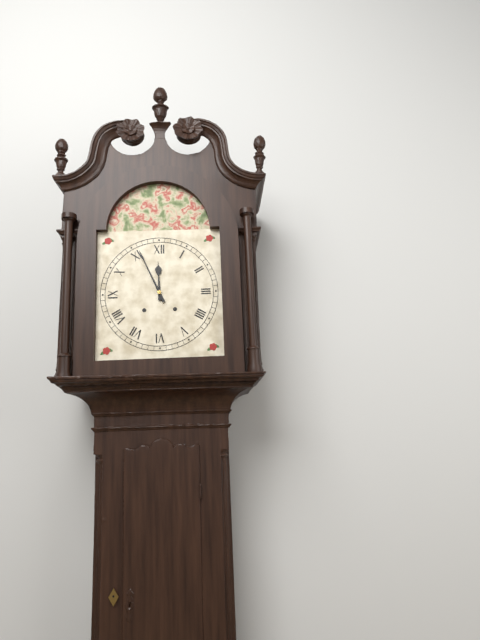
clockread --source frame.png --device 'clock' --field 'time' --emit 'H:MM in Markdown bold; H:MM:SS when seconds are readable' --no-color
**11:56**
